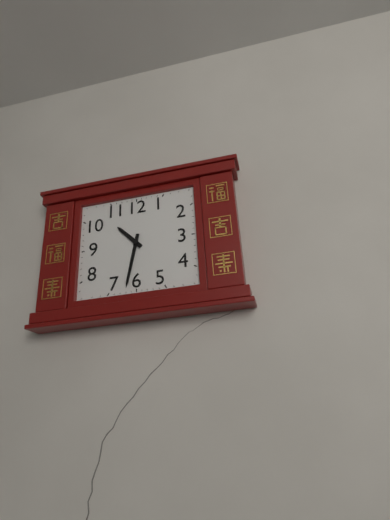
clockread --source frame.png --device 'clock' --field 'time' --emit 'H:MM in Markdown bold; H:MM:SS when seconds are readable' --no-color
**10:32**
